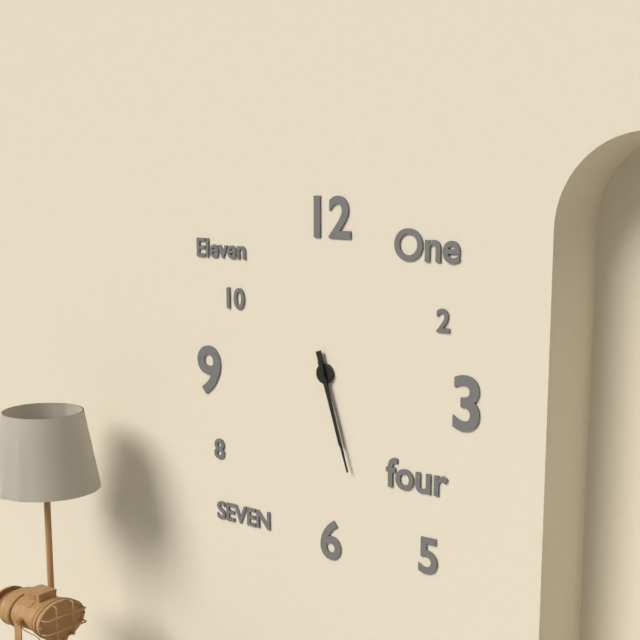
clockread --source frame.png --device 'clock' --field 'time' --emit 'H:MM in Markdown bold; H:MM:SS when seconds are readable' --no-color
**5:27**
